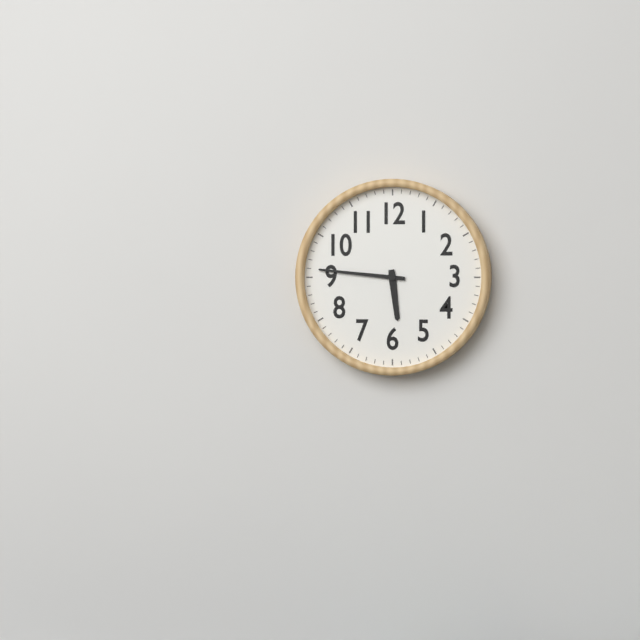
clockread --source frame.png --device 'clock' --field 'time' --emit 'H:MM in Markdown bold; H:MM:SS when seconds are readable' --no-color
**5:46**
